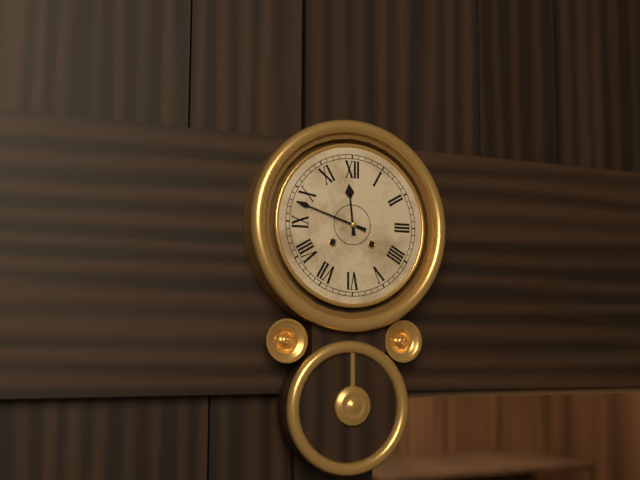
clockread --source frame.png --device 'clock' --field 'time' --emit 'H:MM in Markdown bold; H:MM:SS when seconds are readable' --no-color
**11:48**
